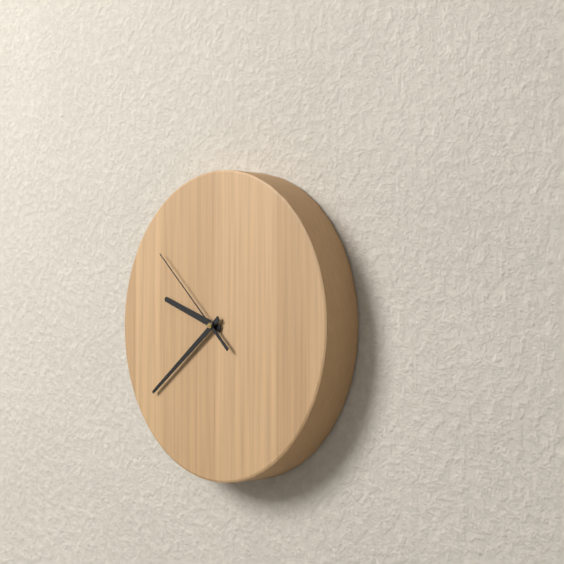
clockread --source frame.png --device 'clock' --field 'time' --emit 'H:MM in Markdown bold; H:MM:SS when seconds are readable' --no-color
**9:39:52**
